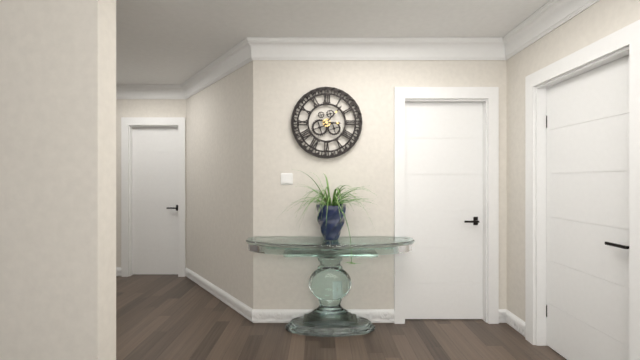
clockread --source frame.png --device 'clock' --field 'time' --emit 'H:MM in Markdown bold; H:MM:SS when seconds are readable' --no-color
**3:07**
